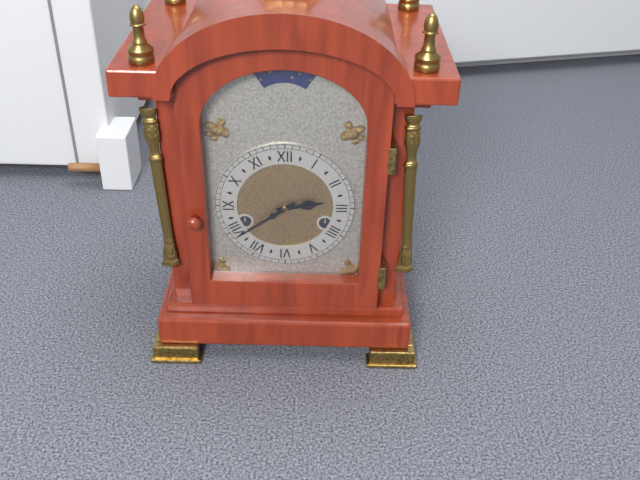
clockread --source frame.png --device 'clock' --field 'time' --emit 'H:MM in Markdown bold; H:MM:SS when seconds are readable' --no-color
**2:39**
